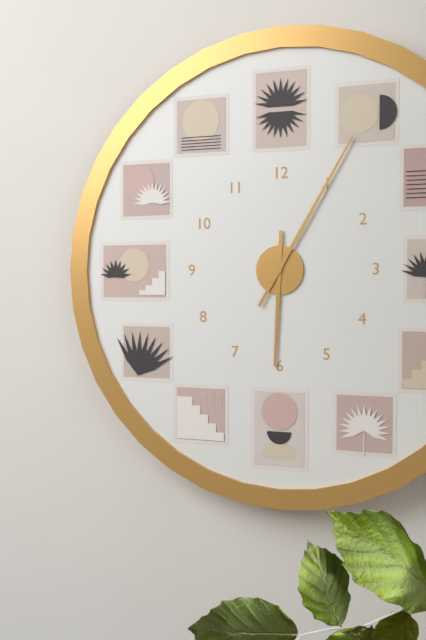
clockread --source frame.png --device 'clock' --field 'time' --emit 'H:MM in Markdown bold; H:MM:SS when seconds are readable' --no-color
**6:05**
